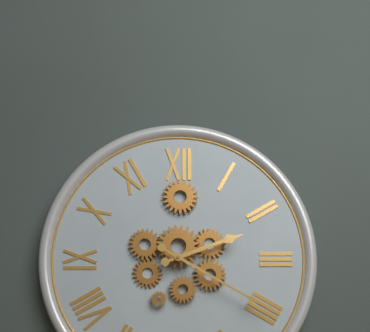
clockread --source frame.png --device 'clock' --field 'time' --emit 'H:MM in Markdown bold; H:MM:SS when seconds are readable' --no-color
**2:20**
